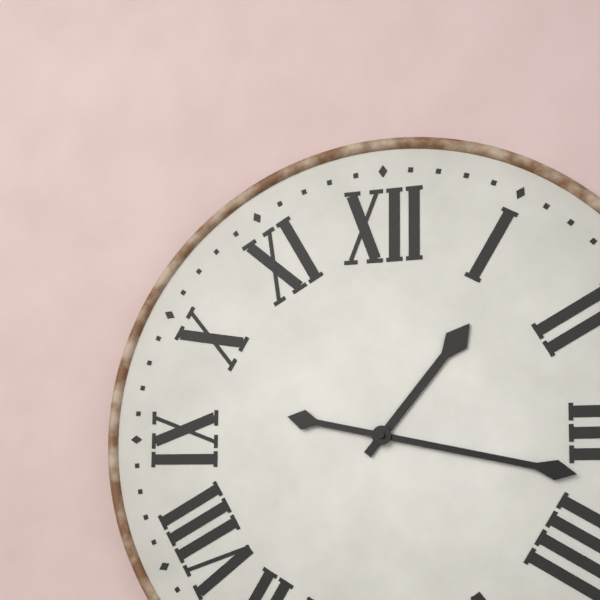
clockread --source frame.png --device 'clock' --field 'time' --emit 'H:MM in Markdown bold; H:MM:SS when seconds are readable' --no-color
**1:17**
